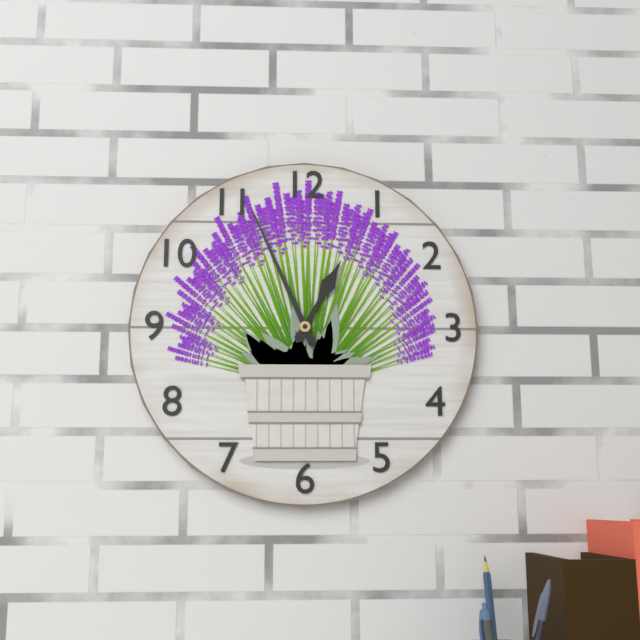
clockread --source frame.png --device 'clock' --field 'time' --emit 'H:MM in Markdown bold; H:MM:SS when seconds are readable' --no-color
**12:56**
